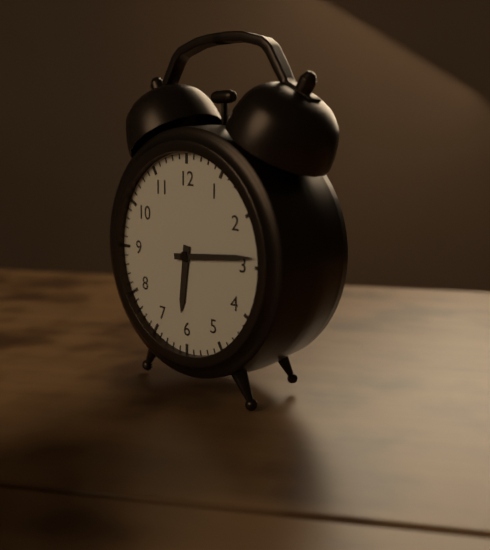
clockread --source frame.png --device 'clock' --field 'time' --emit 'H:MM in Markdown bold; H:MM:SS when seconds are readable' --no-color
**6:14**
